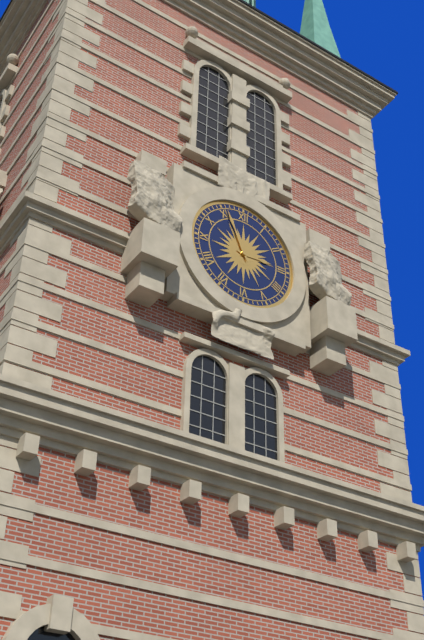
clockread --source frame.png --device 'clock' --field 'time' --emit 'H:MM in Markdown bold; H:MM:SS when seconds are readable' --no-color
**2:56**
